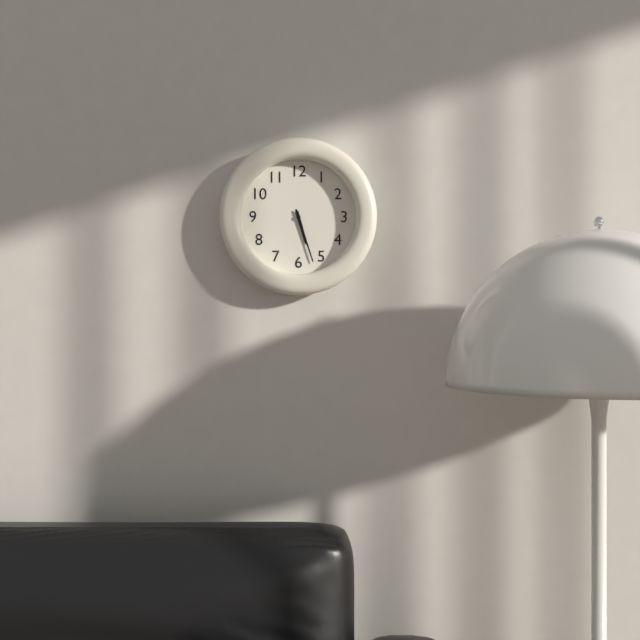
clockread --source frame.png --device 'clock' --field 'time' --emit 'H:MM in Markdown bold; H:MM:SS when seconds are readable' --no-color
**5:27**
